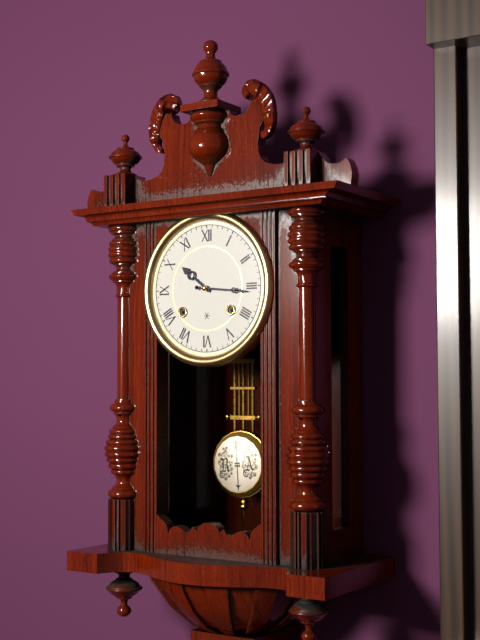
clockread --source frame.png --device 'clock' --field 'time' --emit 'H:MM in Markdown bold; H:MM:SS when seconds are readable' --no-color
**10:16**
